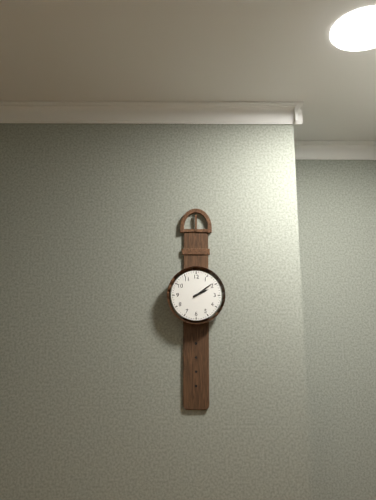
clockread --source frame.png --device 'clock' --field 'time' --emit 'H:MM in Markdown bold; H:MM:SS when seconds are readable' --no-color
**2:09**
